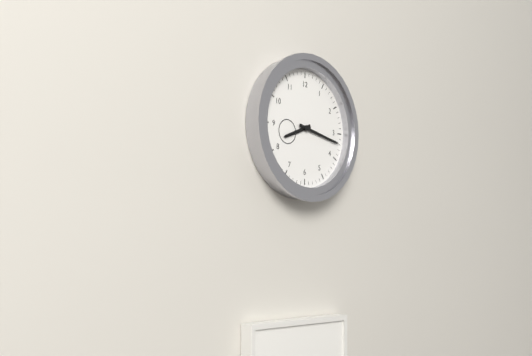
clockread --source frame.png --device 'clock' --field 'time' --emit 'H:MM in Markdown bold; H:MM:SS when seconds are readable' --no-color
**8:17**
